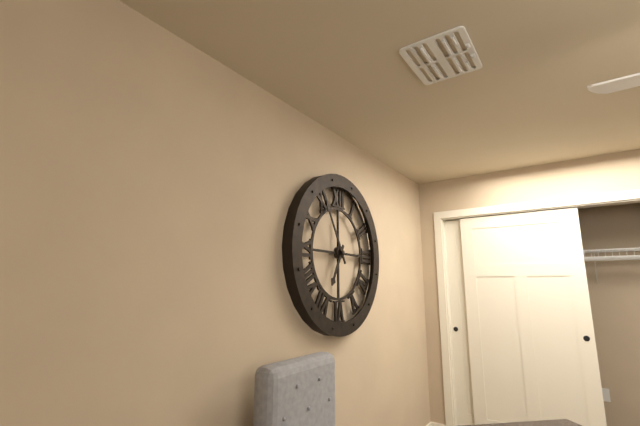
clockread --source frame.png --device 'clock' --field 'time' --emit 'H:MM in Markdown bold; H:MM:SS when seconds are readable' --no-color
**6:55**
